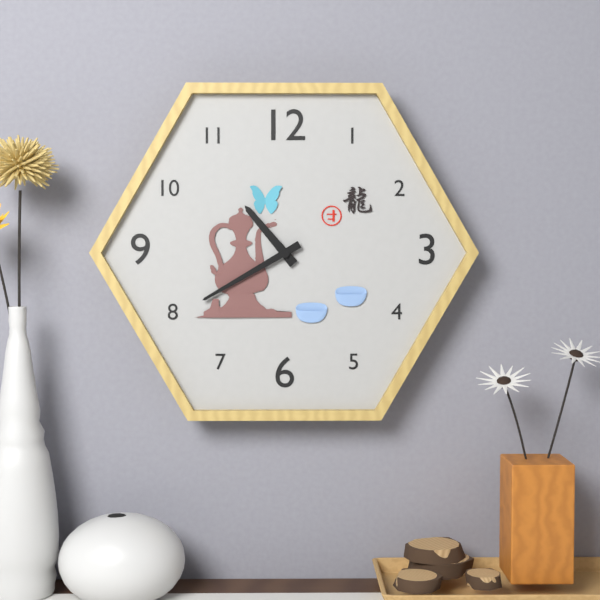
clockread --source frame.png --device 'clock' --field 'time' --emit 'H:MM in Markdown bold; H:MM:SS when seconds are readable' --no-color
**10:40**
